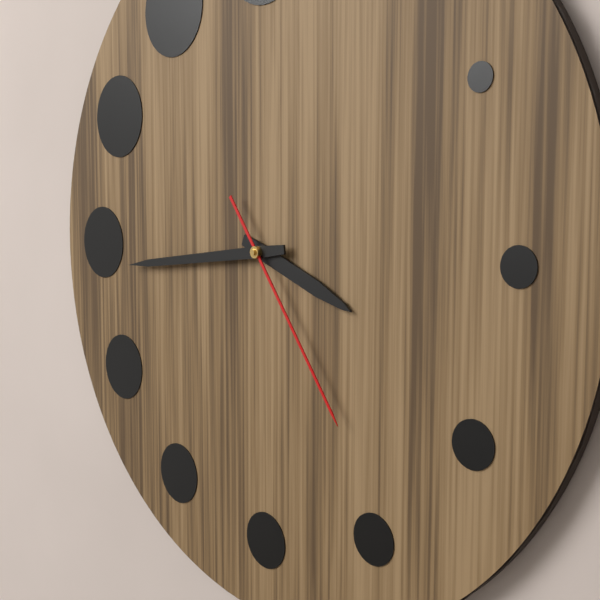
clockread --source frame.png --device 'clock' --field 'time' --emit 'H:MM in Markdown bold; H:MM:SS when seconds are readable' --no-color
**3:44:24**
